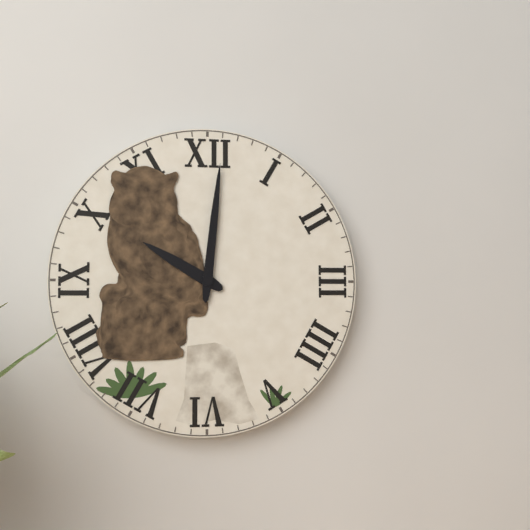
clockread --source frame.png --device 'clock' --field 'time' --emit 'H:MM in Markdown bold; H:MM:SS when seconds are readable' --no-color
**10:01**
